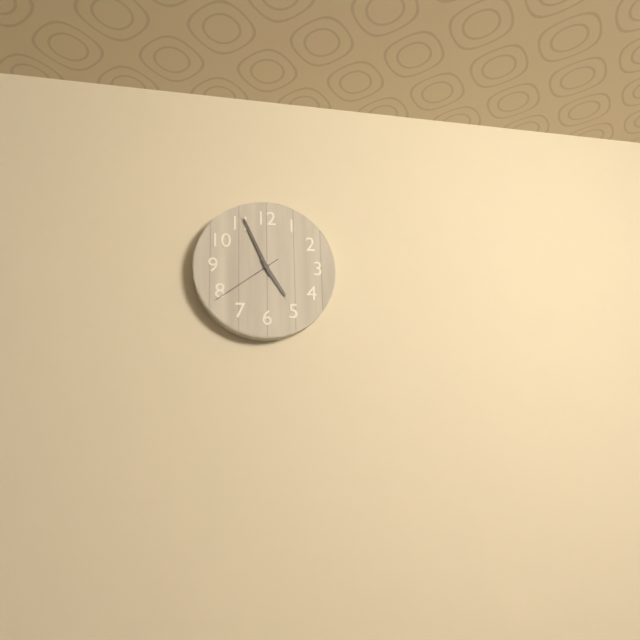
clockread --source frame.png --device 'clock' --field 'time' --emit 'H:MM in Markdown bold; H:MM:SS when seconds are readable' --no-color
**4:56:39**
